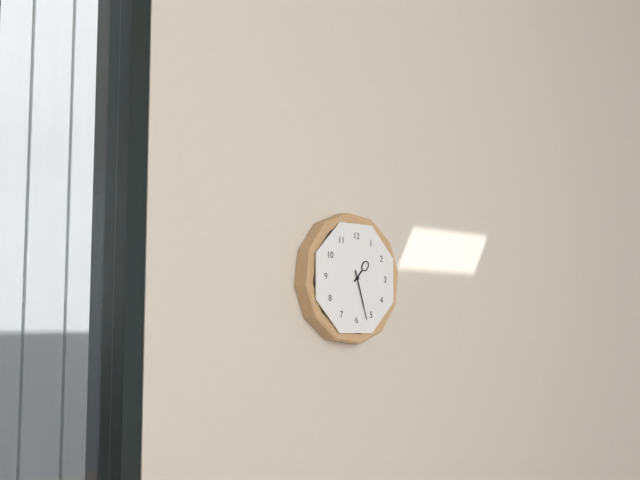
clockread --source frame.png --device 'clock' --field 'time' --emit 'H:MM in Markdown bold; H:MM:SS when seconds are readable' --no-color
**1:27**
